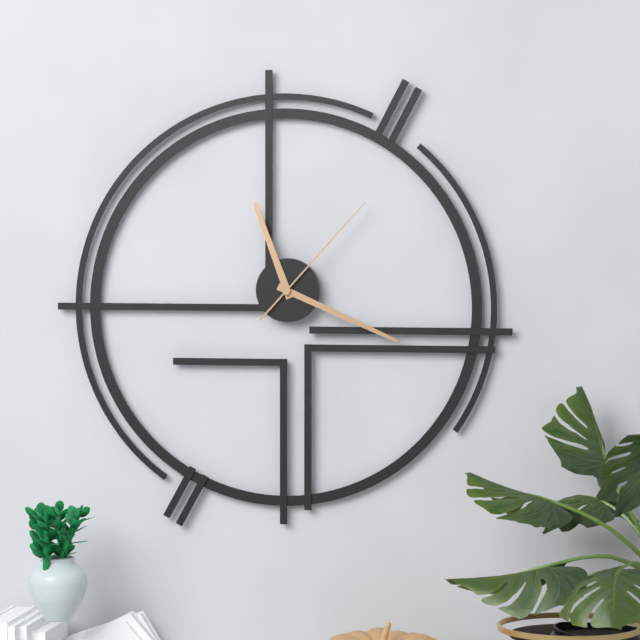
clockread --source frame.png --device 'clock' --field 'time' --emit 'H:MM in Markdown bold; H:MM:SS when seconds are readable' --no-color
**11:19:07**
